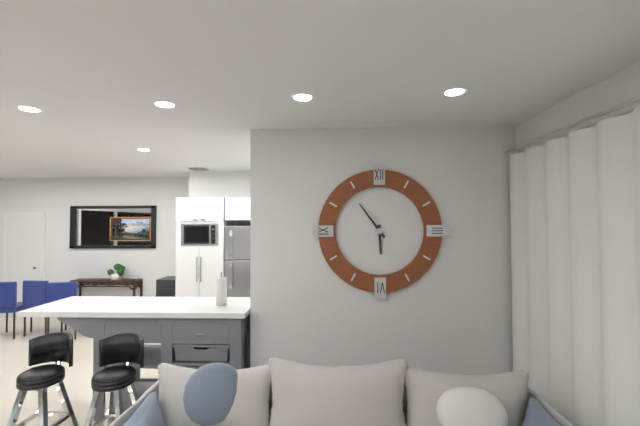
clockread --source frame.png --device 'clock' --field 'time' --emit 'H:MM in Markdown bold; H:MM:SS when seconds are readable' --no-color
**5:54**
